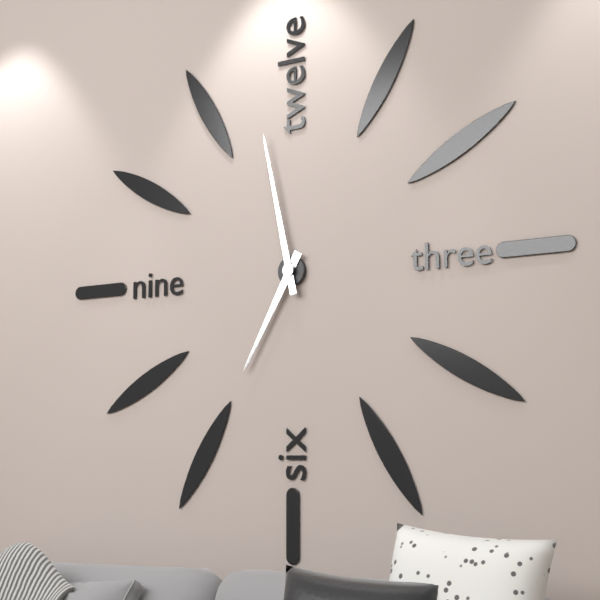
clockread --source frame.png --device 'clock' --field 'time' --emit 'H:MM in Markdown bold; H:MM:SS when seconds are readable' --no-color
**6:58**
